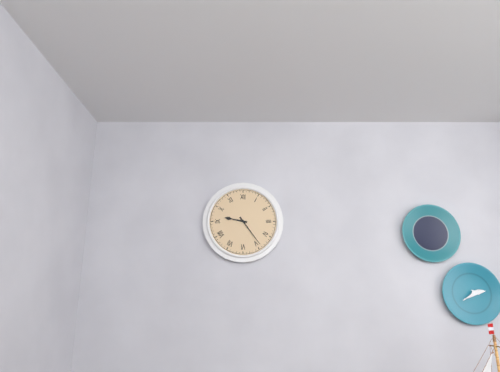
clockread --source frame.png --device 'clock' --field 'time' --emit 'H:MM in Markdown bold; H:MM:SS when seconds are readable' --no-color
**9:24**
